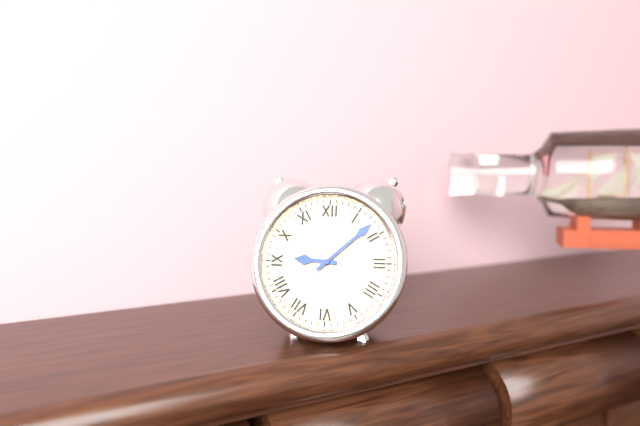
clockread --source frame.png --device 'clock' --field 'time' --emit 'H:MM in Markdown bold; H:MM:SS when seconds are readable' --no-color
**9:08**
